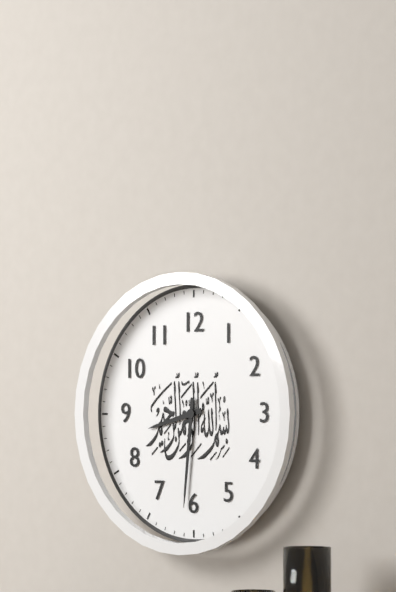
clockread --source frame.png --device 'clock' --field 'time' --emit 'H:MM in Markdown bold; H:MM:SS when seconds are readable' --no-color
**8:31**
